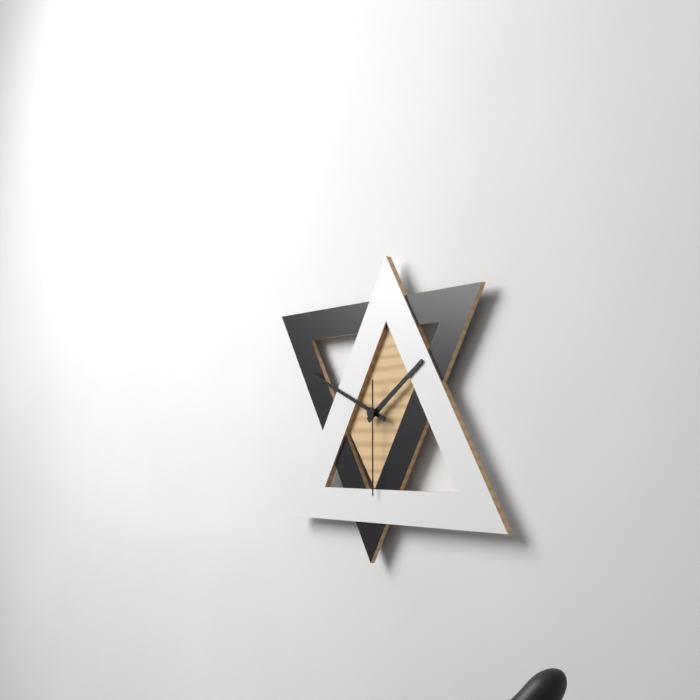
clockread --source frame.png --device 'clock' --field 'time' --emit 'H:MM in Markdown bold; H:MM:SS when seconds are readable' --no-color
**1:49:30**
